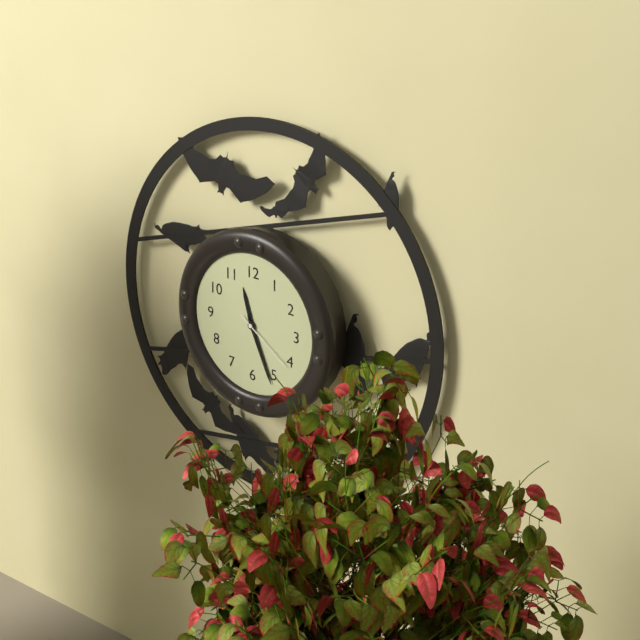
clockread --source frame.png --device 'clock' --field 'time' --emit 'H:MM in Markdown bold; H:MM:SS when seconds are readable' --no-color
**11:26:21**
